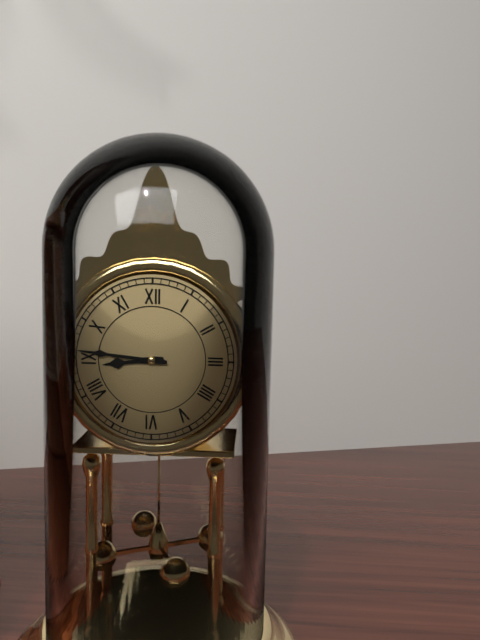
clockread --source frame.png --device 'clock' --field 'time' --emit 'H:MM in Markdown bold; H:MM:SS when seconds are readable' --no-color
**8:46**
